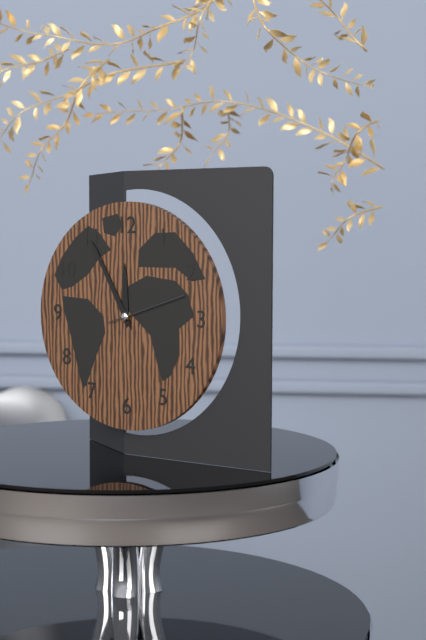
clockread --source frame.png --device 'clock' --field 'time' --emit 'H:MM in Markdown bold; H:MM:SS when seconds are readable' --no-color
**11:55:12**
